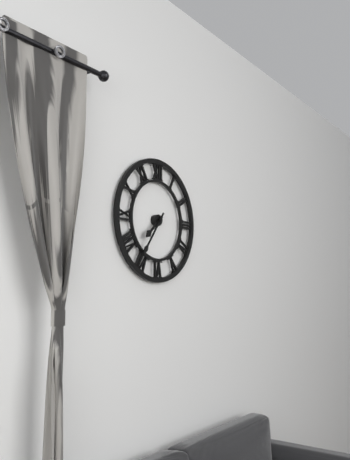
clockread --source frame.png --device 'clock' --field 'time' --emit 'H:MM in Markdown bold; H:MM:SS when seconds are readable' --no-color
**7:36**
